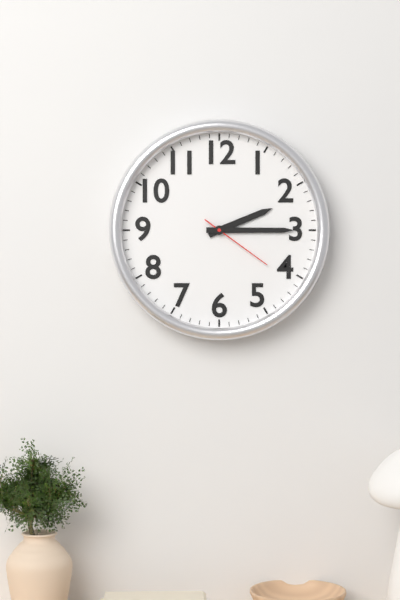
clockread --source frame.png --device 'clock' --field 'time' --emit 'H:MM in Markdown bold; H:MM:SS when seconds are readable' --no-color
**2:15:21**
